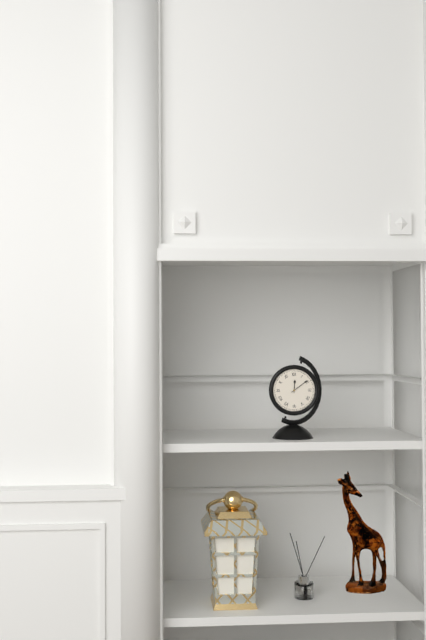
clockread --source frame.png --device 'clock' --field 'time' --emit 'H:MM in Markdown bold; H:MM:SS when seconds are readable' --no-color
**12:09**
